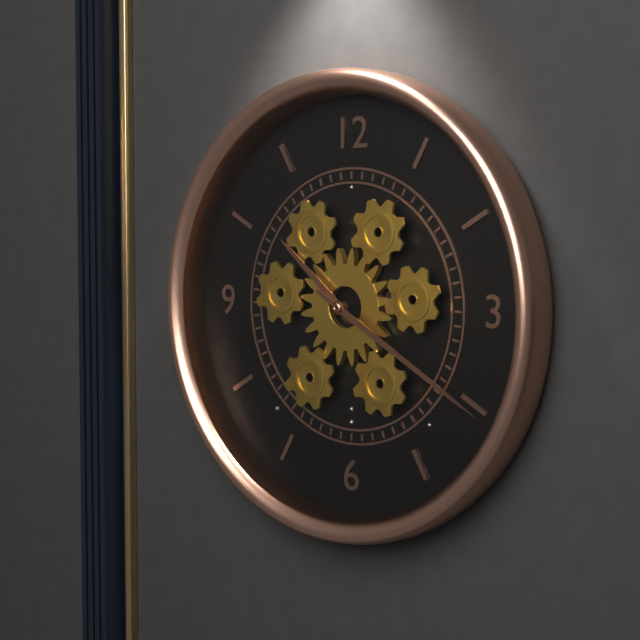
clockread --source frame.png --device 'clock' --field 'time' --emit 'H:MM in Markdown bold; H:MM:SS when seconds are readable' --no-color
**10:20**
